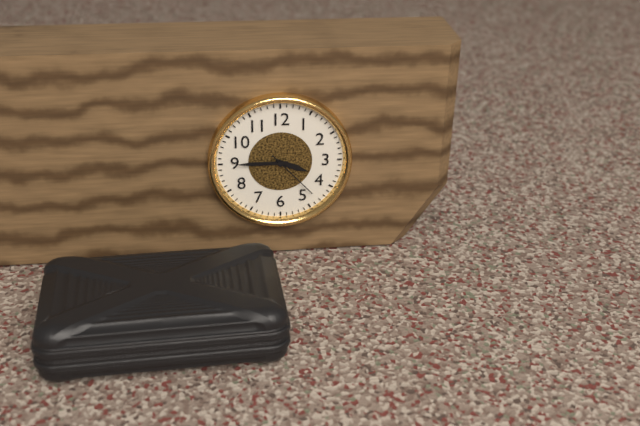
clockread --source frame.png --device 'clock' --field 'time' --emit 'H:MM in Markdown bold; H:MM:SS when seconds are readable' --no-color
**3:45:23**
